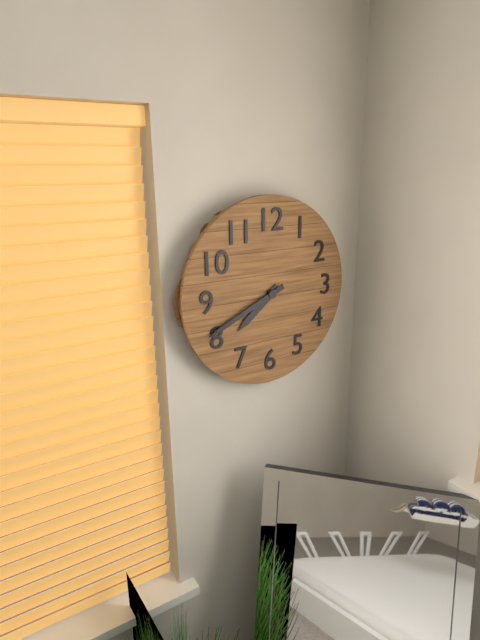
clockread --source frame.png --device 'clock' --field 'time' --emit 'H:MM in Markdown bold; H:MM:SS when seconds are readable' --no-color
**7:41**
